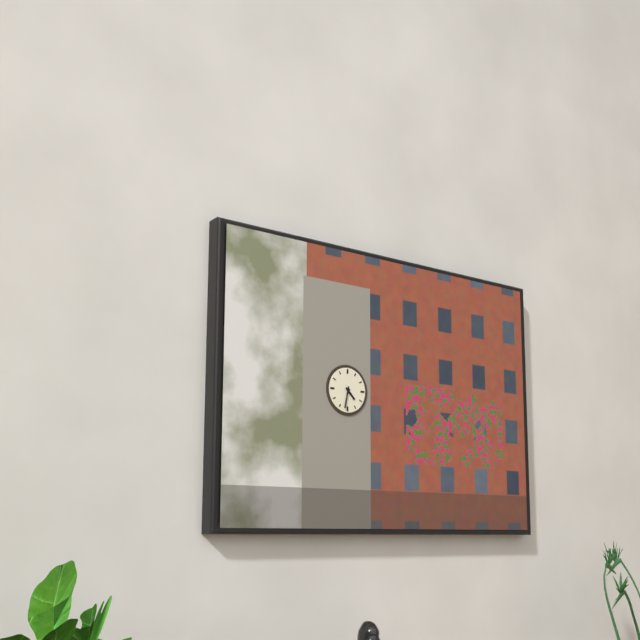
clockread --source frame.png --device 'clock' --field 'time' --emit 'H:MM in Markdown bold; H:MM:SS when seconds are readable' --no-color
**4:32**
